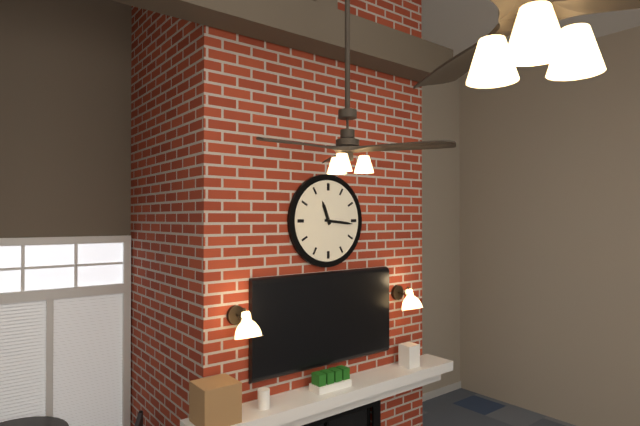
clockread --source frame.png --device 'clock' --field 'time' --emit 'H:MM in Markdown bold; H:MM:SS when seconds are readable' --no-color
**11:16**
